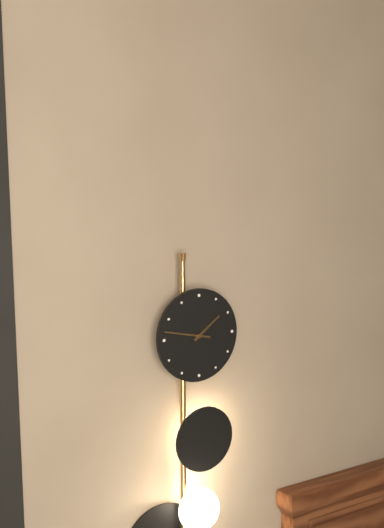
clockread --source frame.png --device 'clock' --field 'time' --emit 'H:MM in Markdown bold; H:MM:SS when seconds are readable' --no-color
**1:47**
